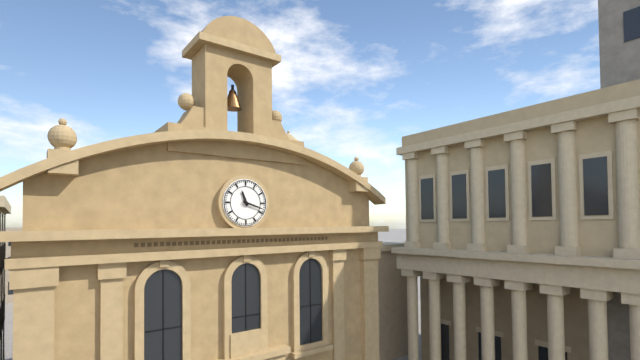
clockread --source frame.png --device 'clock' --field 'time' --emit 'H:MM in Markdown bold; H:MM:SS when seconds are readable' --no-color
**11:18**
